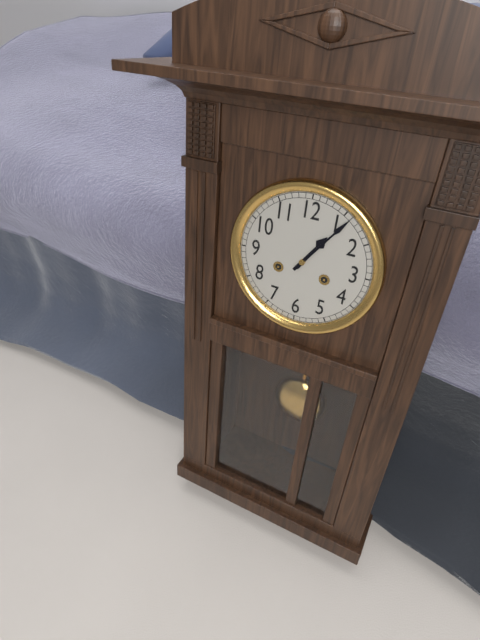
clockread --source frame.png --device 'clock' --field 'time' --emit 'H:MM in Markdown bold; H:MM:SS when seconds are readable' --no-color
**1:06**
